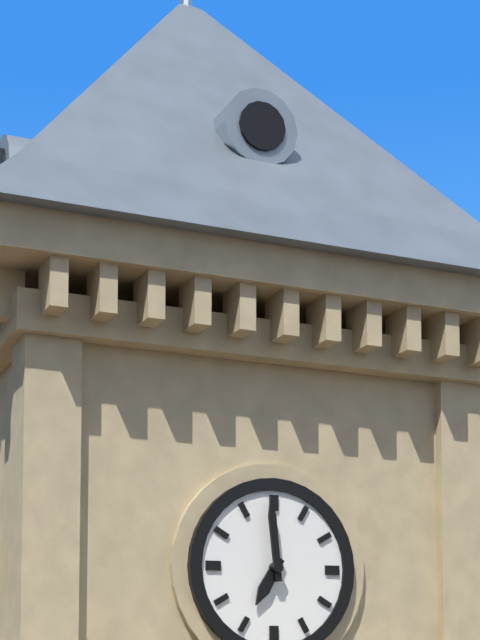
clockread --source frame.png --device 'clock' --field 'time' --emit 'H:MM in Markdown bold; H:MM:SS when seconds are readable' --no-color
**6:59**
